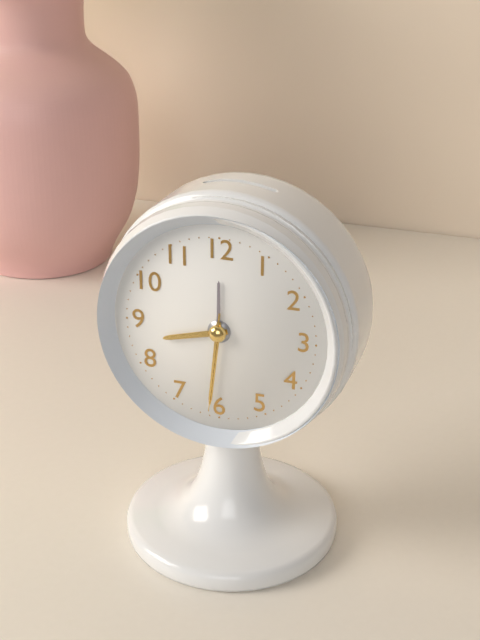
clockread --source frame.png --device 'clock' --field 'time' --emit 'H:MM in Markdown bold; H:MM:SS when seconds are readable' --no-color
**8:31:31**
